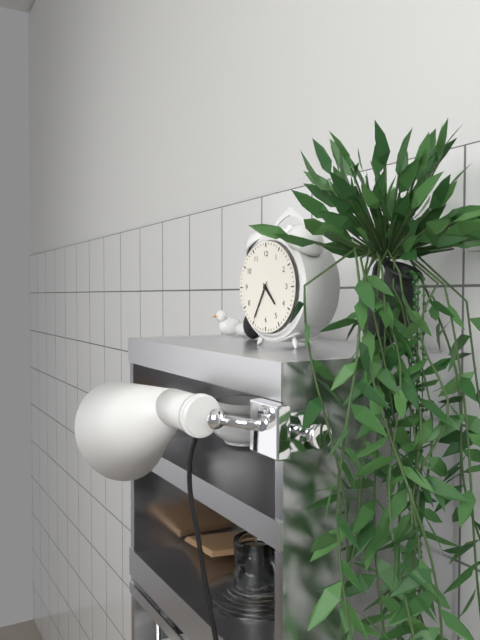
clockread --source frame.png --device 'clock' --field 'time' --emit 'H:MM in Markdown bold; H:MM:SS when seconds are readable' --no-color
**4:35**
